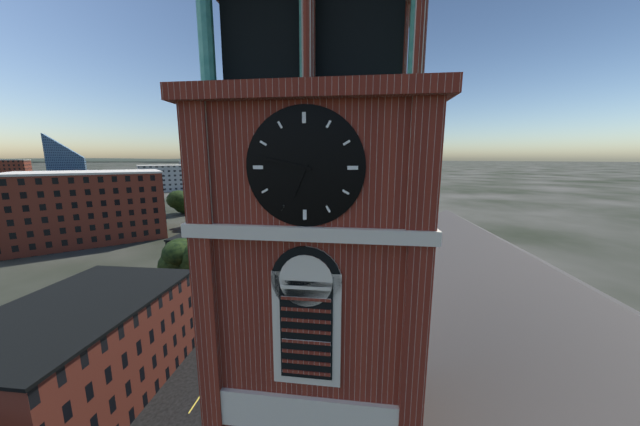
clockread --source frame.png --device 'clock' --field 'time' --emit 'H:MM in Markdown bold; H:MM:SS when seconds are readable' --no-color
**6:47**
